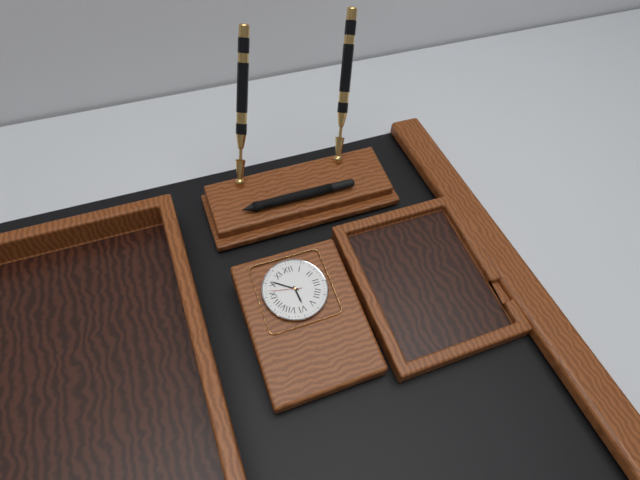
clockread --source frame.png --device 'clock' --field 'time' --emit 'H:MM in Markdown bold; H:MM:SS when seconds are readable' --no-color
**5:51**
